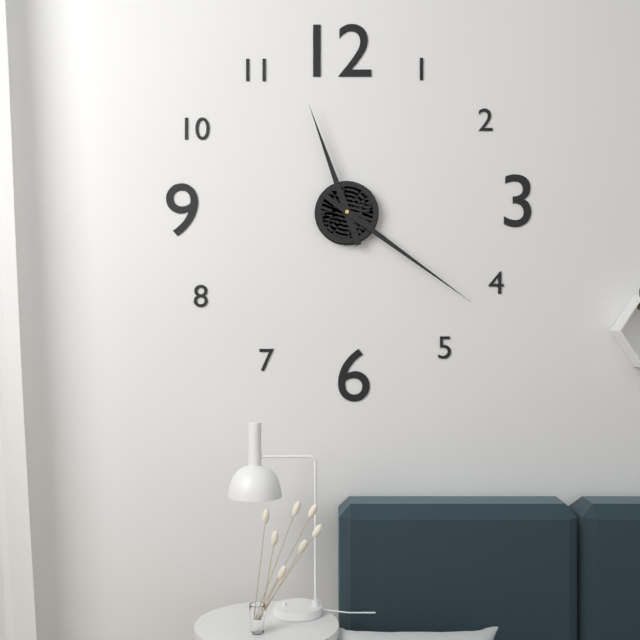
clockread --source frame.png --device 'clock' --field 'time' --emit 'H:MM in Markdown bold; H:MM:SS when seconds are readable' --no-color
**11:21**
